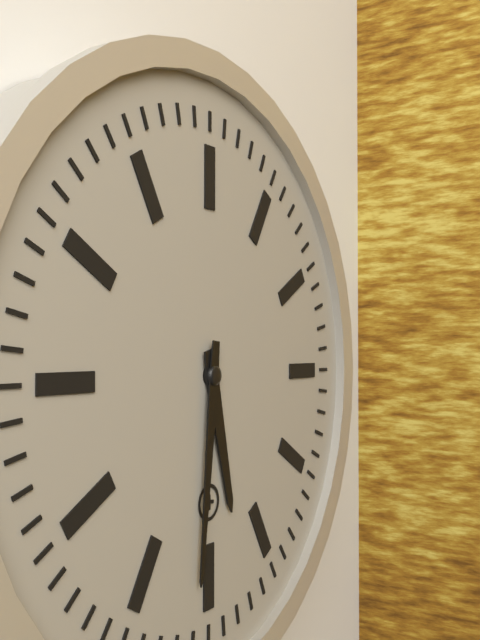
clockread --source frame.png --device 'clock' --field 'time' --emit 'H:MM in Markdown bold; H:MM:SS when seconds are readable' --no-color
**5:31**
